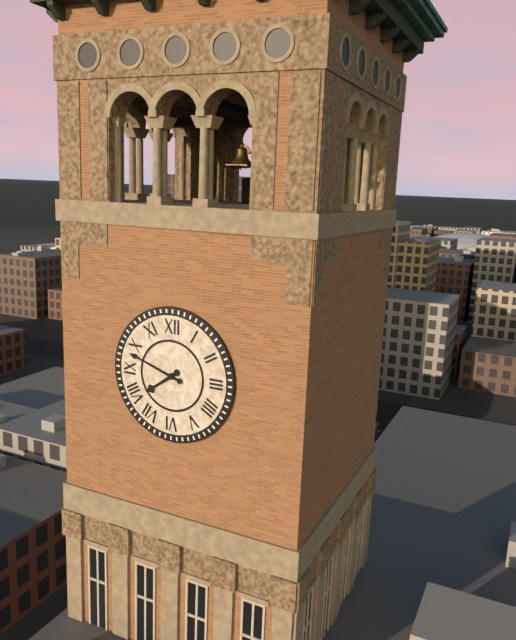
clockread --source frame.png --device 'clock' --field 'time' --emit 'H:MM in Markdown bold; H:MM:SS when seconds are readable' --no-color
**7:48**
